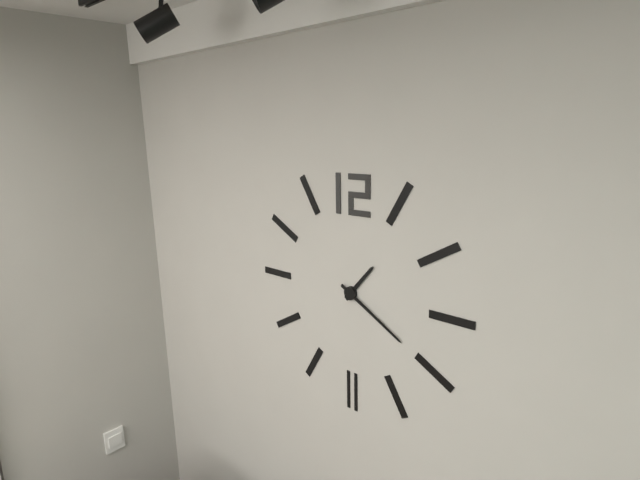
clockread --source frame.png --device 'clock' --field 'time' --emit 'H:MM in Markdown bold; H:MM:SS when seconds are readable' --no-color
**1:20**
